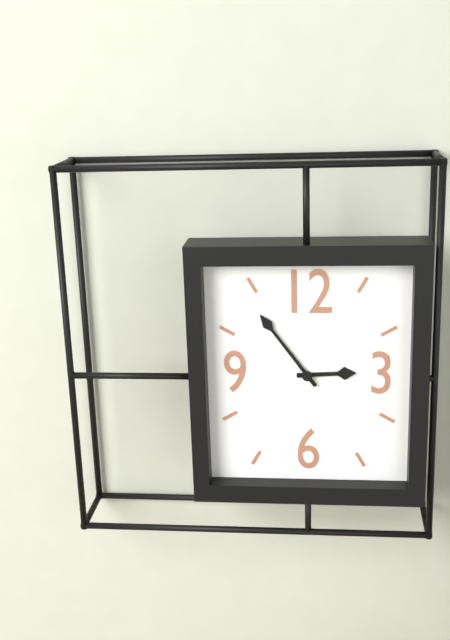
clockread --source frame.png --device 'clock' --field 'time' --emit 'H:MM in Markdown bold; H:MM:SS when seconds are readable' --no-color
**2:54**
